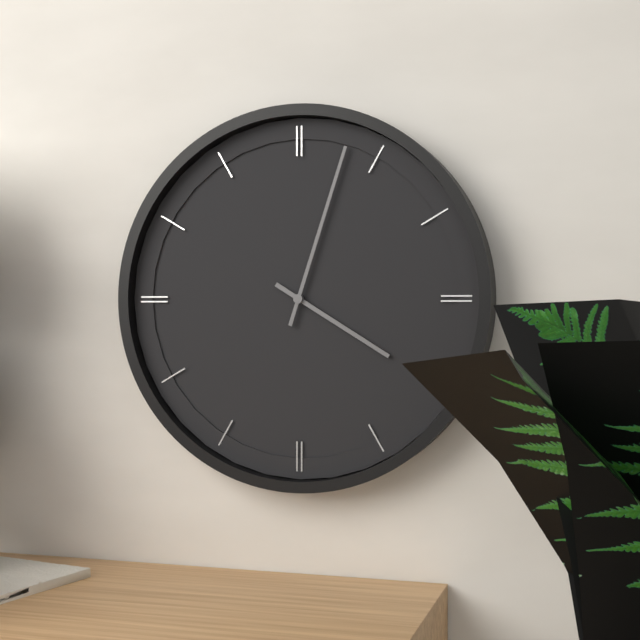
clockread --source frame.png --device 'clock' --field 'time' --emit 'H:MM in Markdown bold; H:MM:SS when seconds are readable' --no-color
**4:03**
